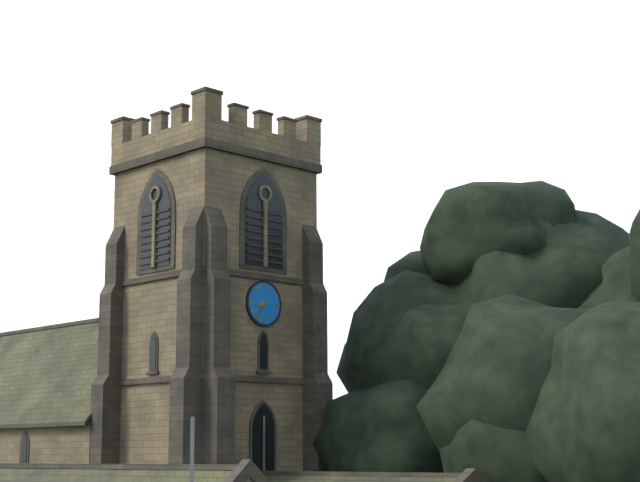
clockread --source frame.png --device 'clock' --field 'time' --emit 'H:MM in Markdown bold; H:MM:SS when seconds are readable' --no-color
**8:36**
